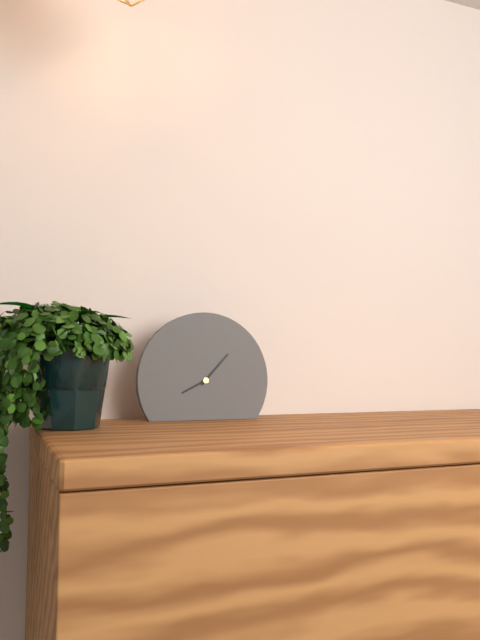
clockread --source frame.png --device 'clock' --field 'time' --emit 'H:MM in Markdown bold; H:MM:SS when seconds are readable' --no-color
**8:07**
